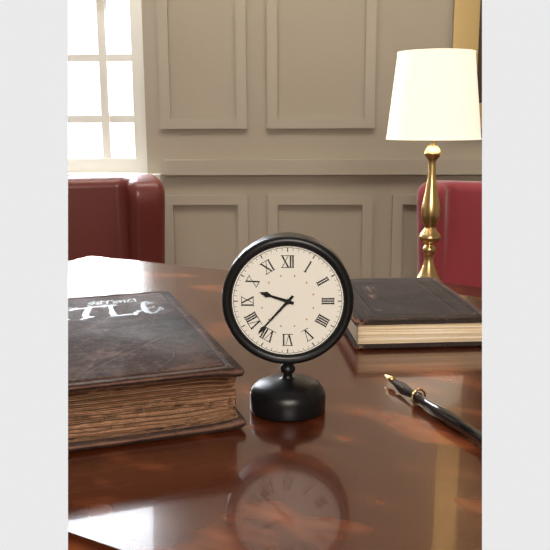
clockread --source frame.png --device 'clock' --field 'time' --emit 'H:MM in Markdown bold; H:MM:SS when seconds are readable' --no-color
**9:37**
